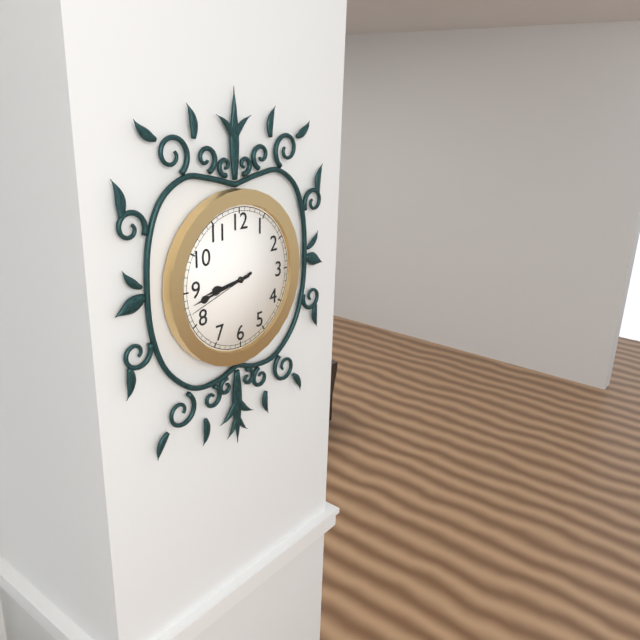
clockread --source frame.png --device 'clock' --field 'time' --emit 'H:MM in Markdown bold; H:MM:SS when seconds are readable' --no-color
**8:43:42**
